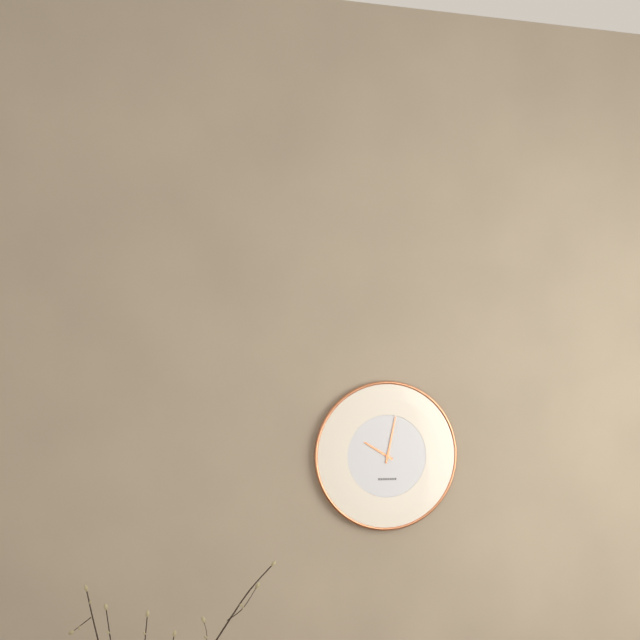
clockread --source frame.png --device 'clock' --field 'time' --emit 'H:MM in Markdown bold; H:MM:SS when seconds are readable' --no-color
**10:02**
